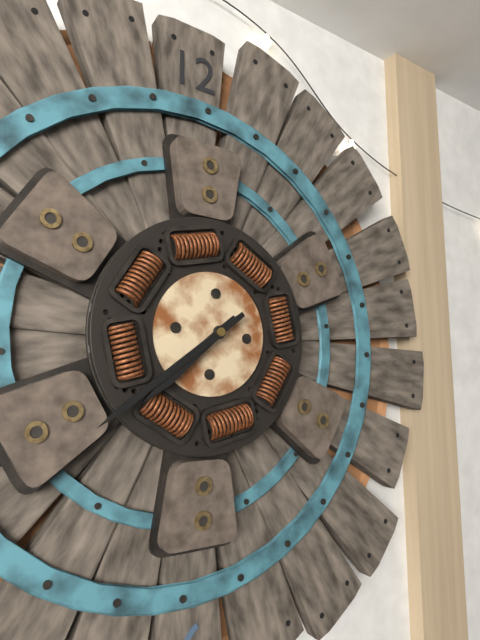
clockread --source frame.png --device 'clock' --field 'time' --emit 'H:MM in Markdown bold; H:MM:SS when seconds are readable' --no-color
**7:39**
